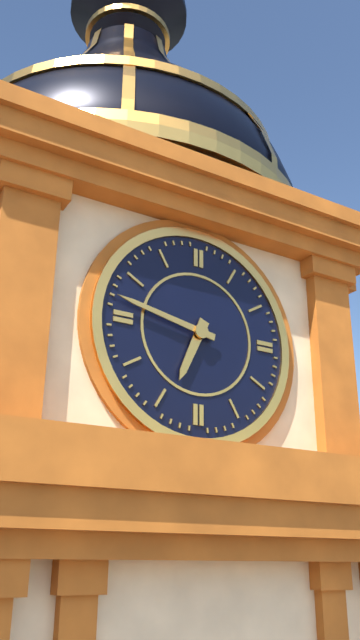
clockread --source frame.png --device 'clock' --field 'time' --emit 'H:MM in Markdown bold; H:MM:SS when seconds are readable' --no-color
**6:47**
